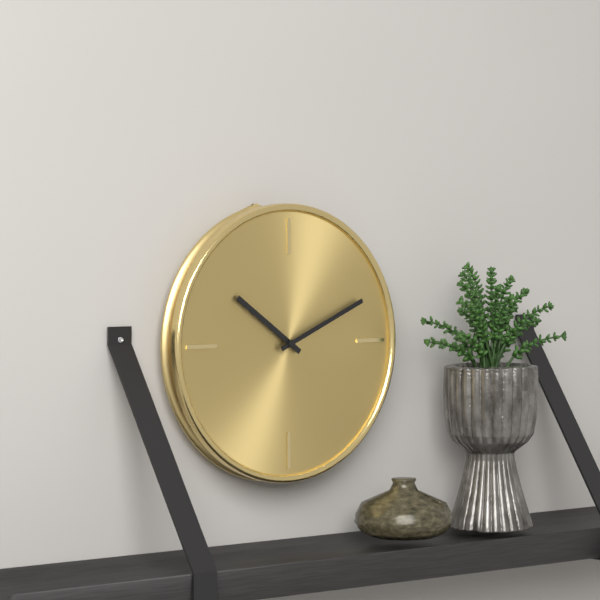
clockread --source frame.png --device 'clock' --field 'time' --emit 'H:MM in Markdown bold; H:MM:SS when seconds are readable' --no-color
**10:11**
